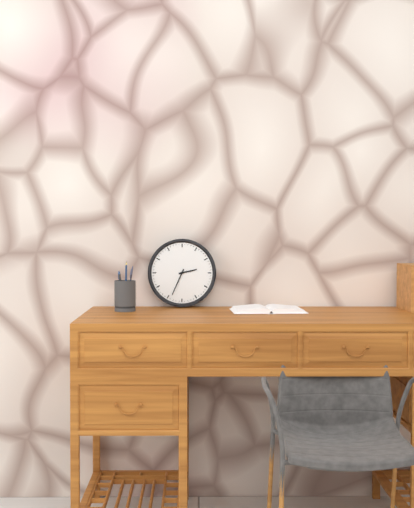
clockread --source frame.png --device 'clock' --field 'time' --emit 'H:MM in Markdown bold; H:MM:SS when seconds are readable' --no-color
**2:34**
